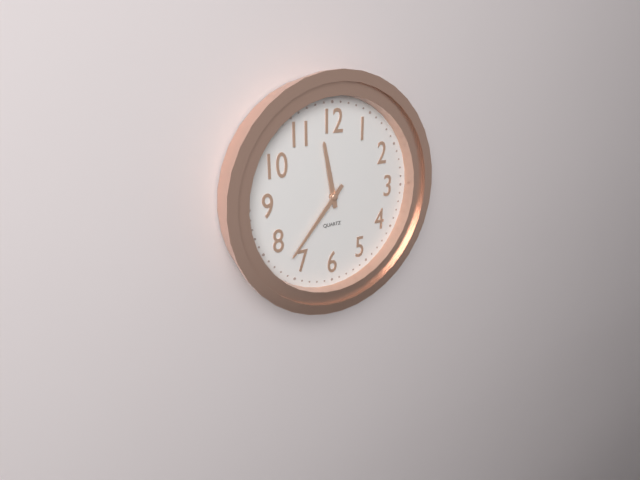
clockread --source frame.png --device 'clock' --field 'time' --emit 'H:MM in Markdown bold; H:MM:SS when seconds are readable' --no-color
**11:37**
